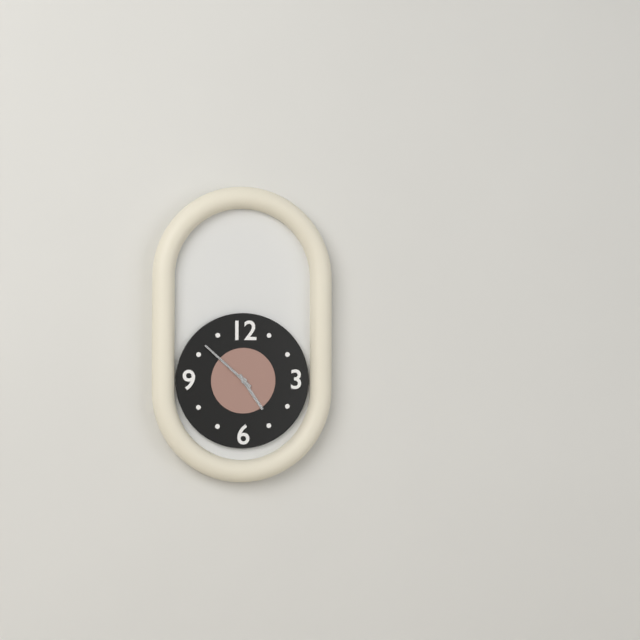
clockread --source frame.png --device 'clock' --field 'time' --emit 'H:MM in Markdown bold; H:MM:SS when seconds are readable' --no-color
**4:52**
